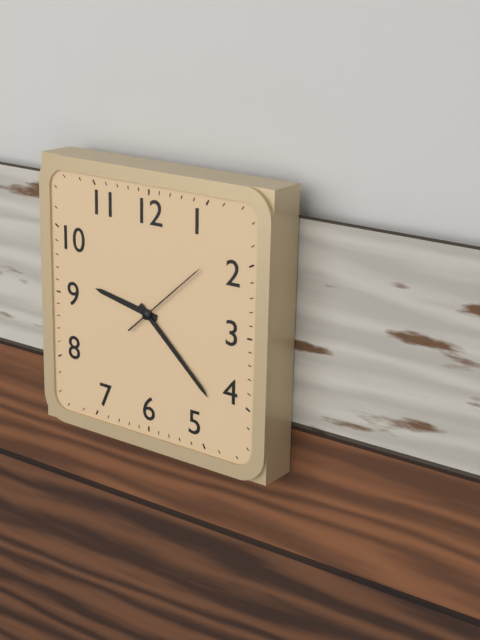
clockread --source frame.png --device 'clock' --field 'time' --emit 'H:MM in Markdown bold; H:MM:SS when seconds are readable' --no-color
**9:22:08**
